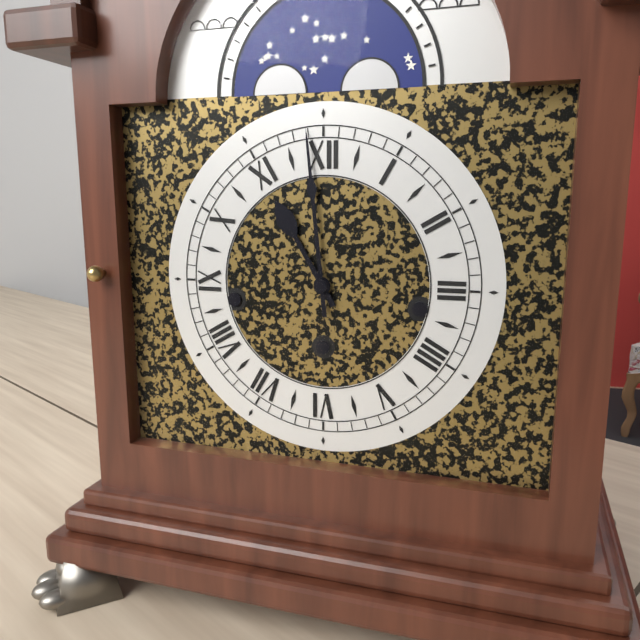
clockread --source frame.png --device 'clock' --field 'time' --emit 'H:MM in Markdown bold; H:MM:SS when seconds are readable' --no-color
**10:59**
